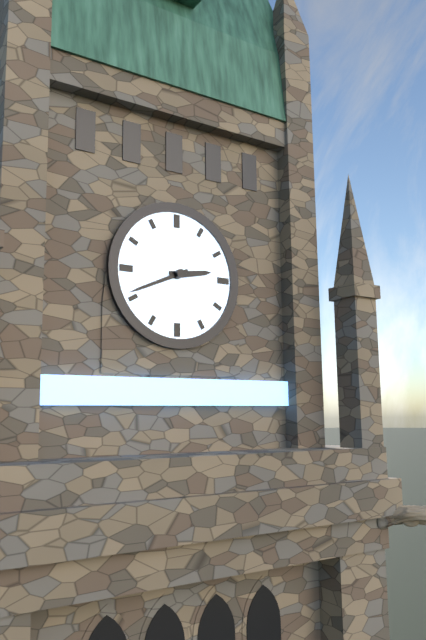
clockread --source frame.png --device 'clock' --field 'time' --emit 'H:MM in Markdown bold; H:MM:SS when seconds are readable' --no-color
**2:41**
